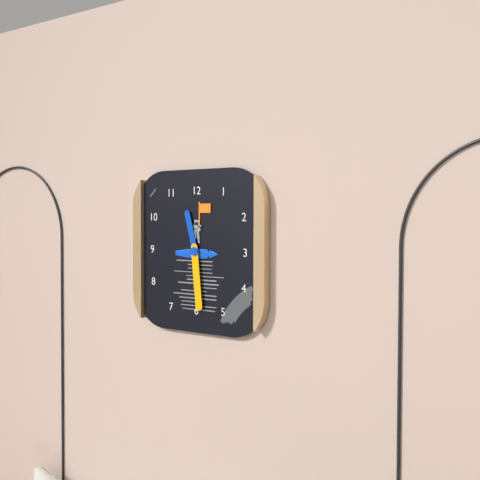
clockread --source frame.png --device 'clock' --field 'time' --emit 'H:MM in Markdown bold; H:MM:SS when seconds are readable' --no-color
**11:29**
